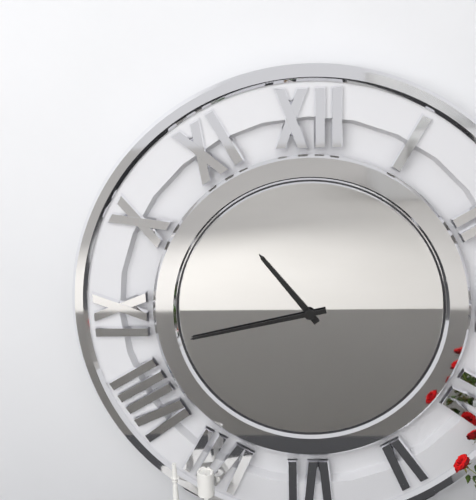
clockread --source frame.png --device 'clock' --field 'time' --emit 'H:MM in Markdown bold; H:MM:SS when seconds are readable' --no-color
**10:43**
